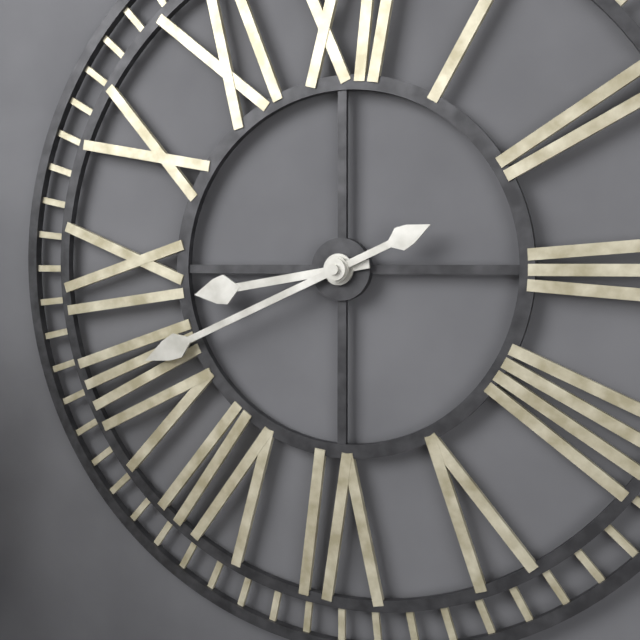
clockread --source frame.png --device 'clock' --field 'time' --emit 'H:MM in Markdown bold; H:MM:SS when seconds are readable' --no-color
**8:41**
